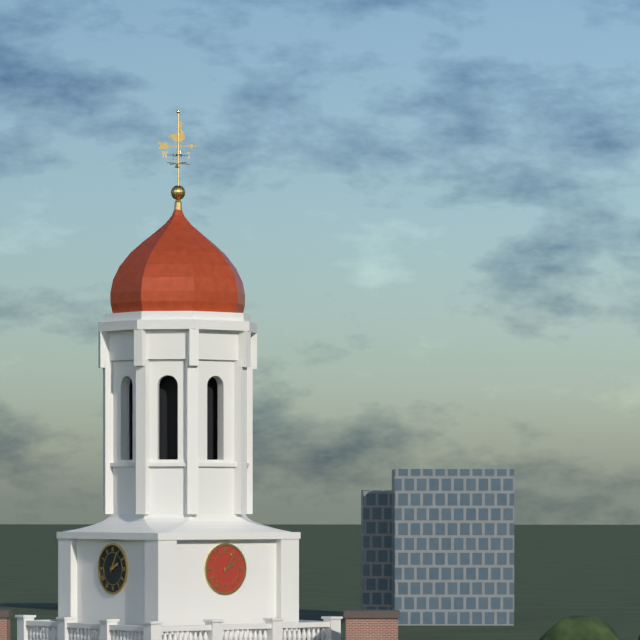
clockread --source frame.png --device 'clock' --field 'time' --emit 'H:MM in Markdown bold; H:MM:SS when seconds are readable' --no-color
**2:05**
